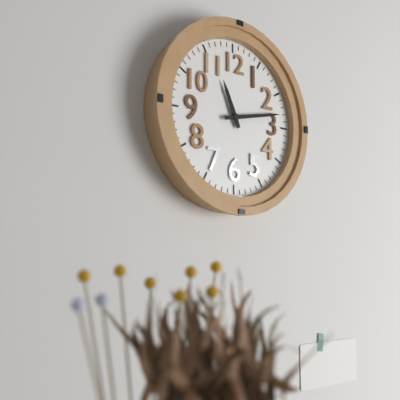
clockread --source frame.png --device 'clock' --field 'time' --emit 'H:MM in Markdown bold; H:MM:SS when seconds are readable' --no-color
**11:13**
